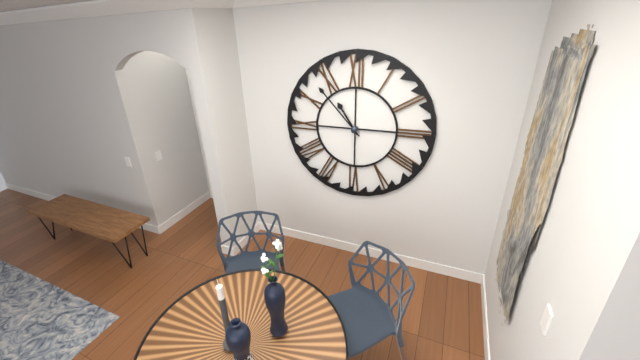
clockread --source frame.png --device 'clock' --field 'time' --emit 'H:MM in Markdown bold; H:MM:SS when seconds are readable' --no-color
**10:53**
